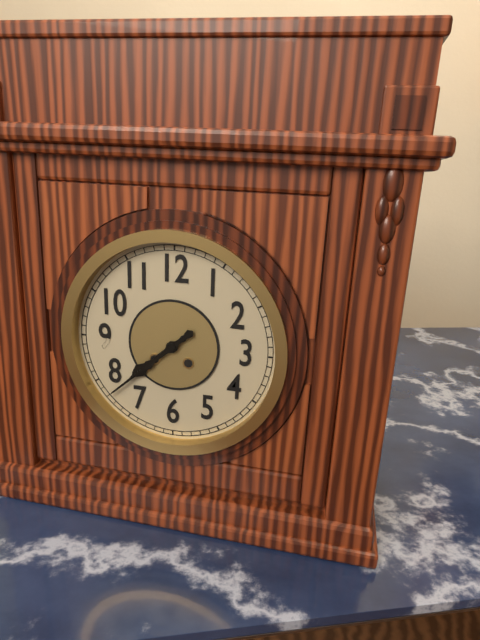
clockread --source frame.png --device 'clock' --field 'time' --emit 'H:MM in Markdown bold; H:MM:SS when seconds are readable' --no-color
**7:38**
